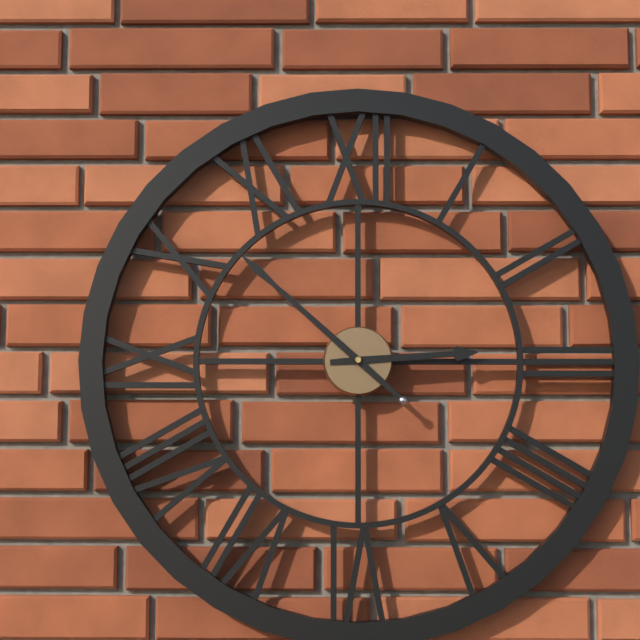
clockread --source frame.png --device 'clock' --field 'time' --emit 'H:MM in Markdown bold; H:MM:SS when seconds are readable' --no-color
**2:52**
